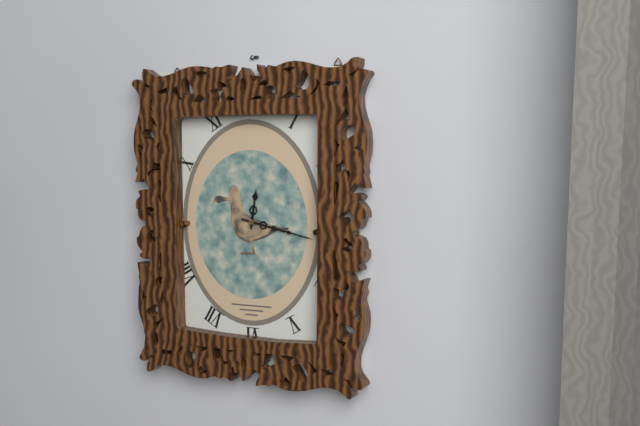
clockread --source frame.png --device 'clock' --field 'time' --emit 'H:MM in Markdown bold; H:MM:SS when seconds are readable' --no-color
**12:17**
